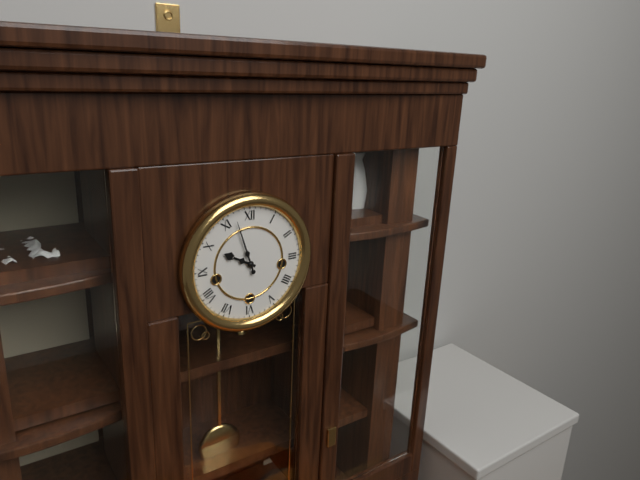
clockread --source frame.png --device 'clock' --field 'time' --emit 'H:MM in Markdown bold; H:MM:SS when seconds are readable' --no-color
**9:57**
